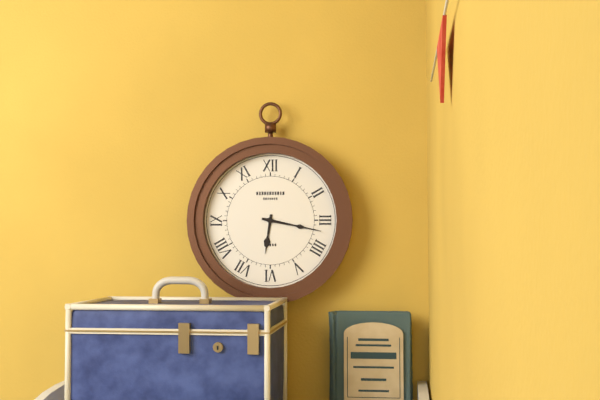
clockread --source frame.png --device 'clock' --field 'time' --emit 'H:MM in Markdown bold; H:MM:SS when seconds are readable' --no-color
**6:17**
